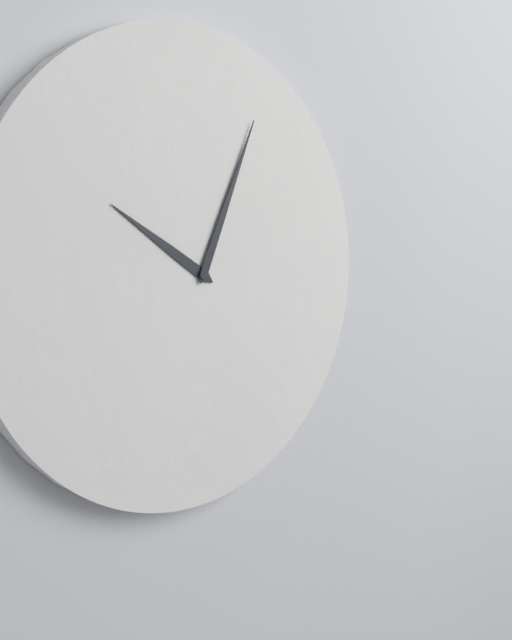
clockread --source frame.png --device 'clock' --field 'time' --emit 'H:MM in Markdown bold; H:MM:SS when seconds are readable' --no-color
**10:04**
